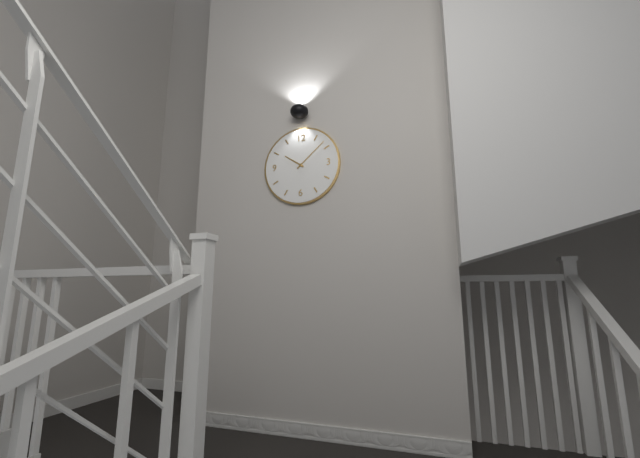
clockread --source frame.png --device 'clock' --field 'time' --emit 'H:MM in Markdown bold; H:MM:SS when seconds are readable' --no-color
**10:08**
